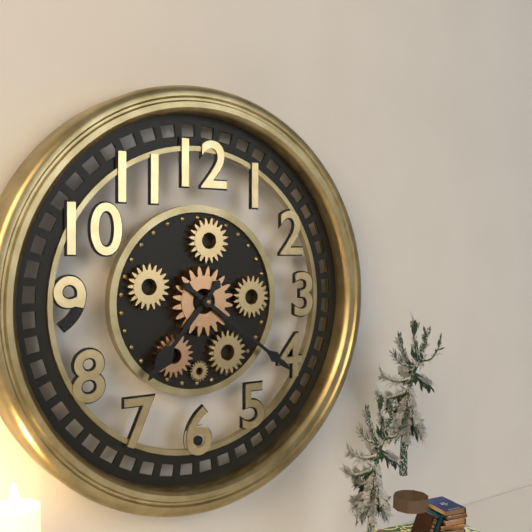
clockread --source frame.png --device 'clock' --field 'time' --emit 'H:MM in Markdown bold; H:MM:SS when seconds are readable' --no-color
**7:21**
